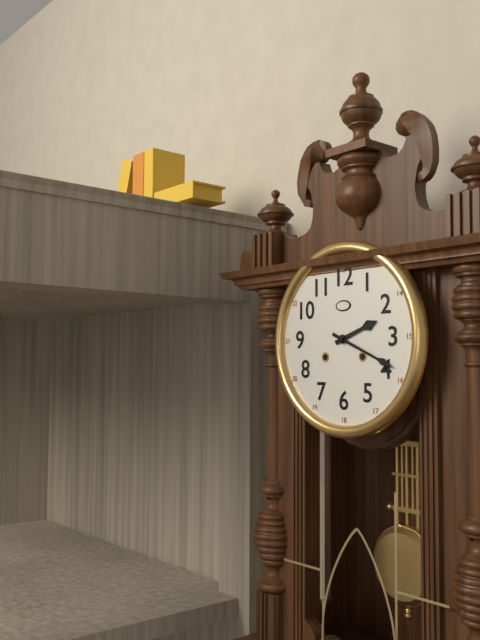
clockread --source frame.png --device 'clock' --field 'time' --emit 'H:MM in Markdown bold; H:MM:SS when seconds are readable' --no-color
**2:19**
